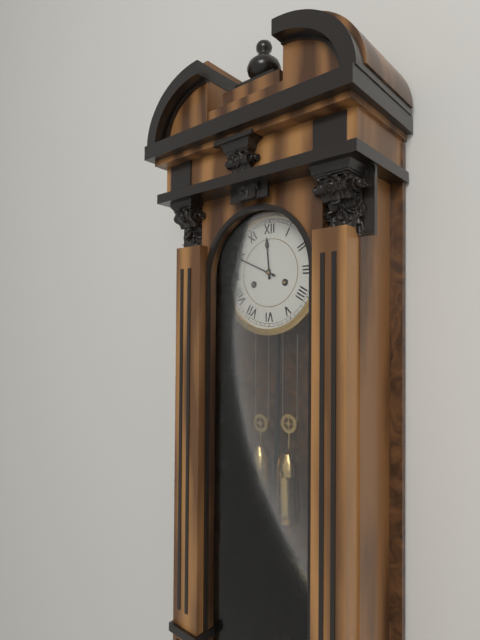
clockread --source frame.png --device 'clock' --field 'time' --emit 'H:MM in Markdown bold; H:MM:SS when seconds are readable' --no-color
**11:49**
